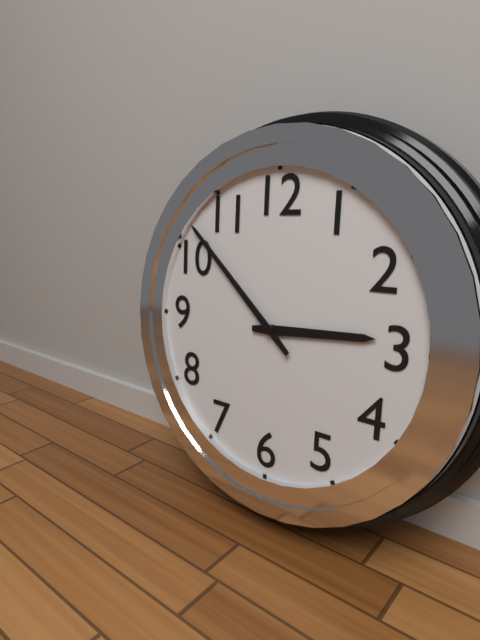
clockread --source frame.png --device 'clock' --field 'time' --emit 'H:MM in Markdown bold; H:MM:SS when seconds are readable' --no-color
**2:52**
